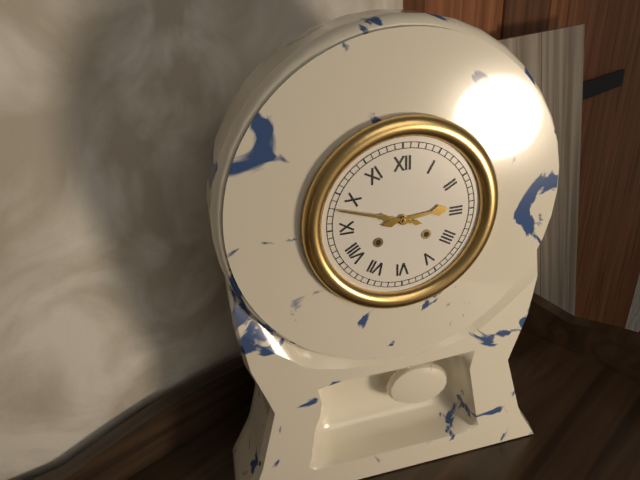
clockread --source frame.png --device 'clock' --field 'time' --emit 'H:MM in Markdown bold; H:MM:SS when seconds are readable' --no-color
**2:48**
